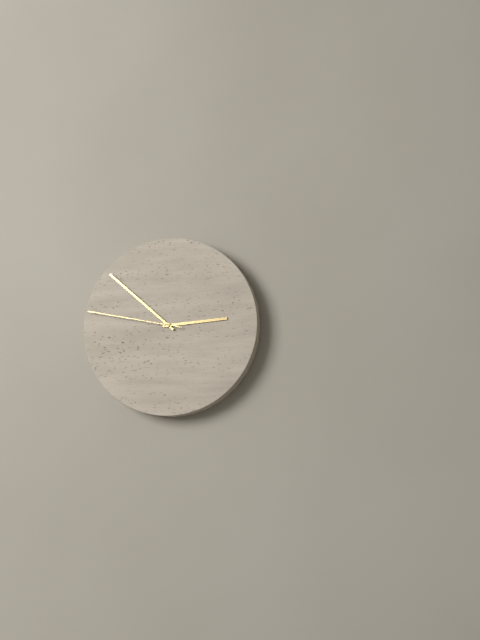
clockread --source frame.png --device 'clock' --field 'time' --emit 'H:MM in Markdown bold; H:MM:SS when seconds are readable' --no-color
**2:52:47**
